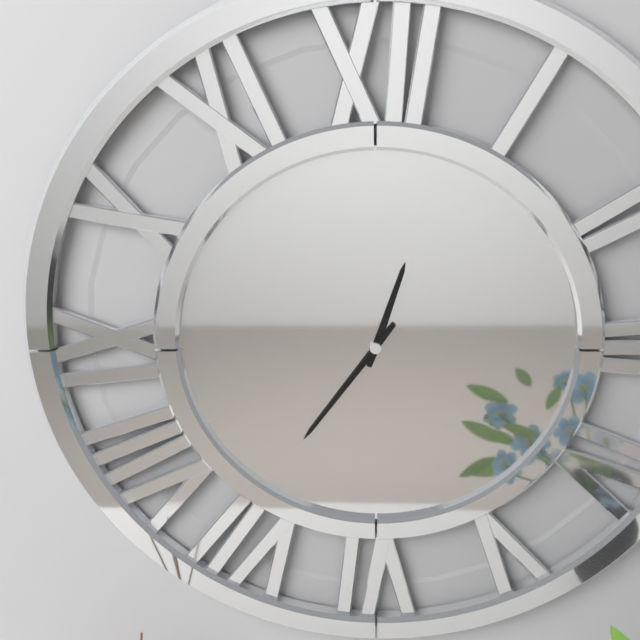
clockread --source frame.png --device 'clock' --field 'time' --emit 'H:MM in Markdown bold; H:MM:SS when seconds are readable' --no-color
**12:36**
